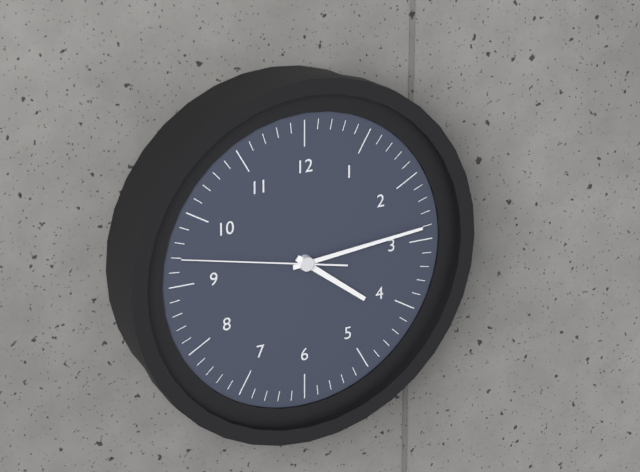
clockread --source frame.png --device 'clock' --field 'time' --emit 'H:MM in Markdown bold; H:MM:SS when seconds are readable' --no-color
**4:14:47**
